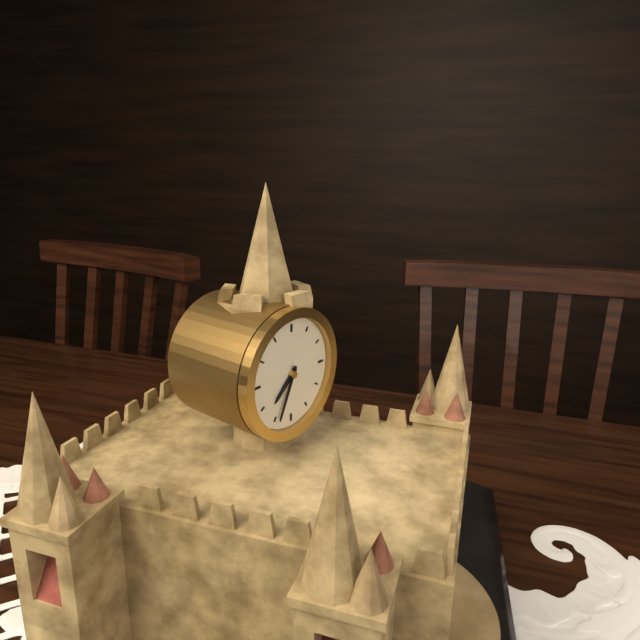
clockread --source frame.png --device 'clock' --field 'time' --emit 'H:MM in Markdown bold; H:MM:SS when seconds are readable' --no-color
**7:34**
